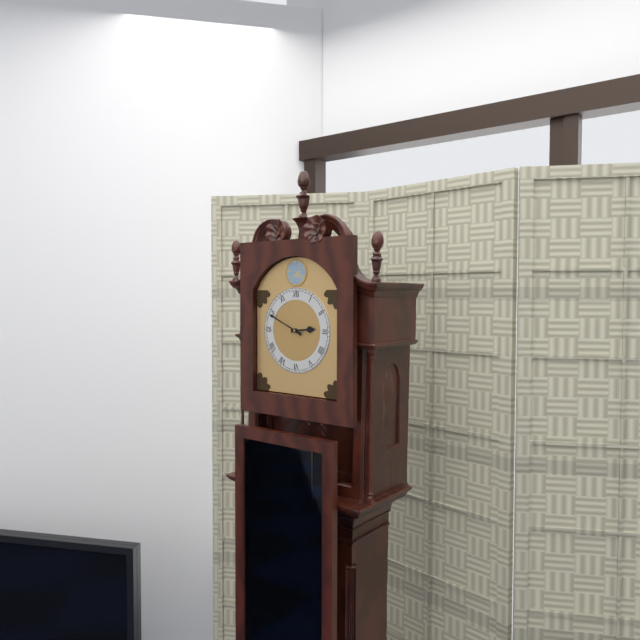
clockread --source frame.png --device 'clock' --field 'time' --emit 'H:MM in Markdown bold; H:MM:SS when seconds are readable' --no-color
**2:49**
